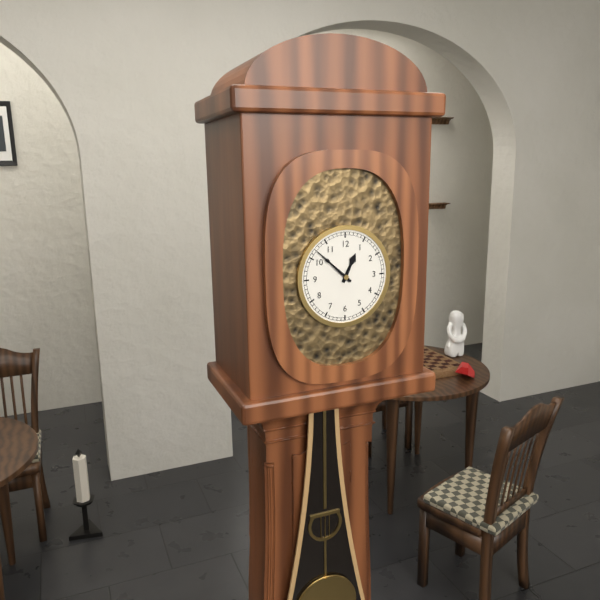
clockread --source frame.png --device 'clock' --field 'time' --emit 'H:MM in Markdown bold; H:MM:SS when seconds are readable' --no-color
**12:52**
